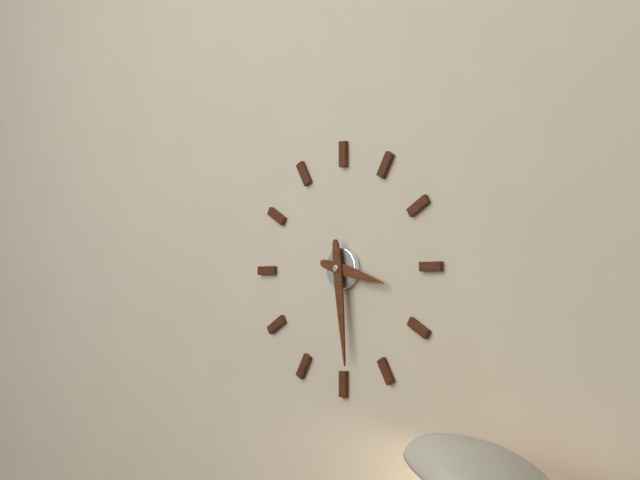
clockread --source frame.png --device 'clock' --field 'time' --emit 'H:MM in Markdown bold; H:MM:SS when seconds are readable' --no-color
**3:29**
